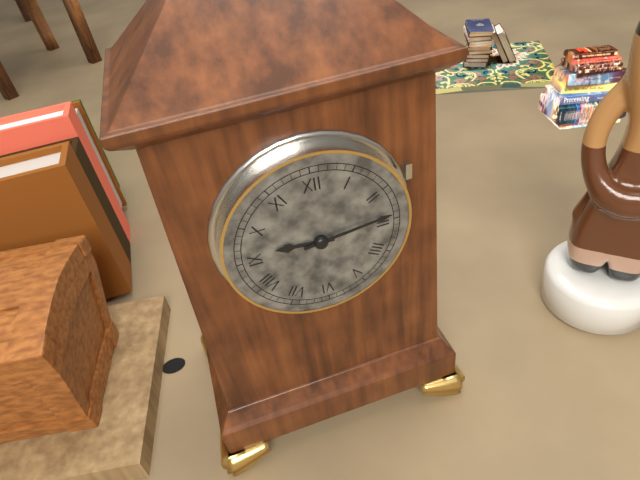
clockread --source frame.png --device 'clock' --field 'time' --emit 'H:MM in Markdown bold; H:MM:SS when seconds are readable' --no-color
**9:14**
